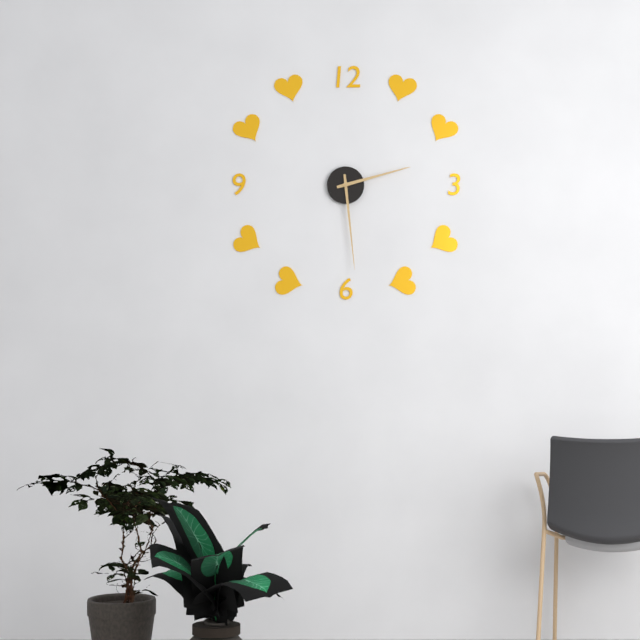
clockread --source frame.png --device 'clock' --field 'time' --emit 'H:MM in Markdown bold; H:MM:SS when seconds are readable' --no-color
**2:29**
